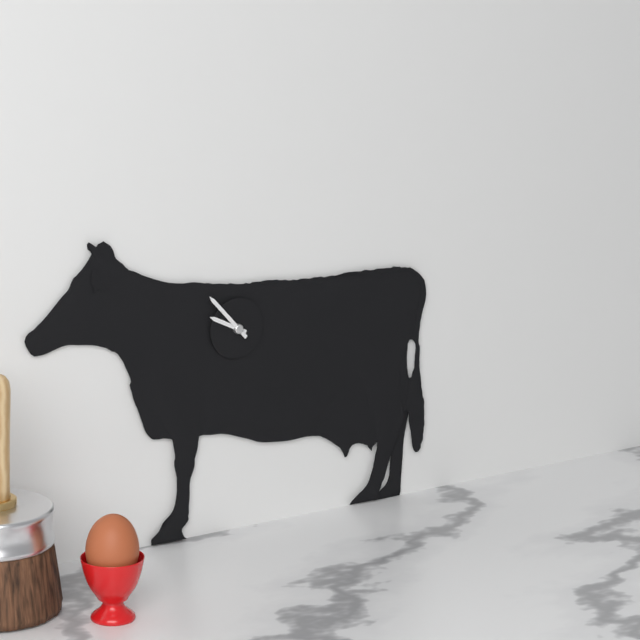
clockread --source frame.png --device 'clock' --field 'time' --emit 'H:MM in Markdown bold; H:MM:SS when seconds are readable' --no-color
**9:53**
